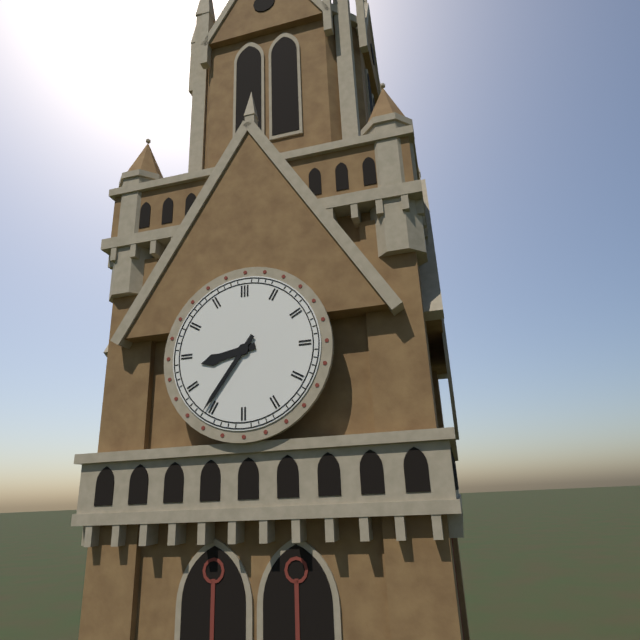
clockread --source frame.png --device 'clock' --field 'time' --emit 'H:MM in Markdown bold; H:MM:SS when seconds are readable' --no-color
**8:36**
